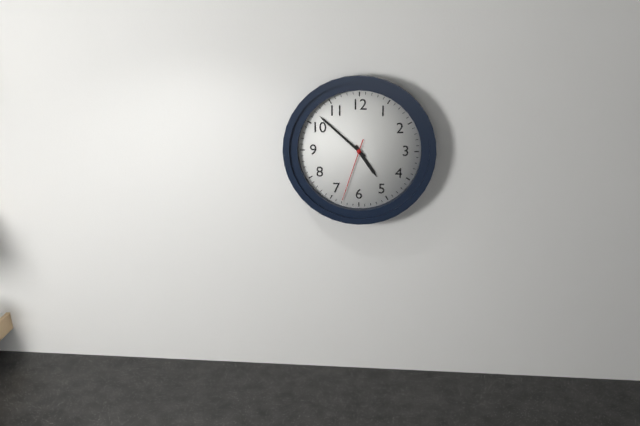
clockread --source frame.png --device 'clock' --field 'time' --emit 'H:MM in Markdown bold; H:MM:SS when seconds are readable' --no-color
**4:52:33**
